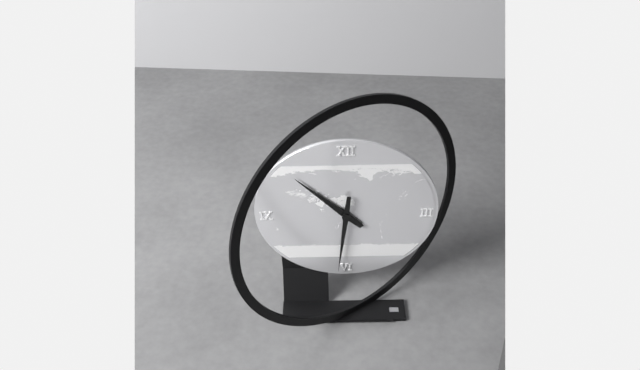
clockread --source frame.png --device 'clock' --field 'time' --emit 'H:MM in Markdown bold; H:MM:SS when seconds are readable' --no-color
**10:31**
